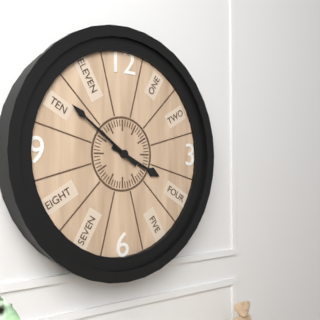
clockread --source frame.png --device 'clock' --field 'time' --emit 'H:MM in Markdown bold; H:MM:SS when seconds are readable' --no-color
**3:51**
